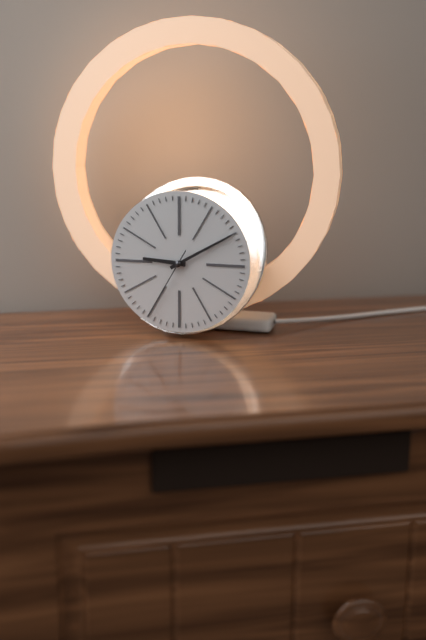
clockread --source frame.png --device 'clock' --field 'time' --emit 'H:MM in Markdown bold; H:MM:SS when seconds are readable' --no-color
**9:10:35**
